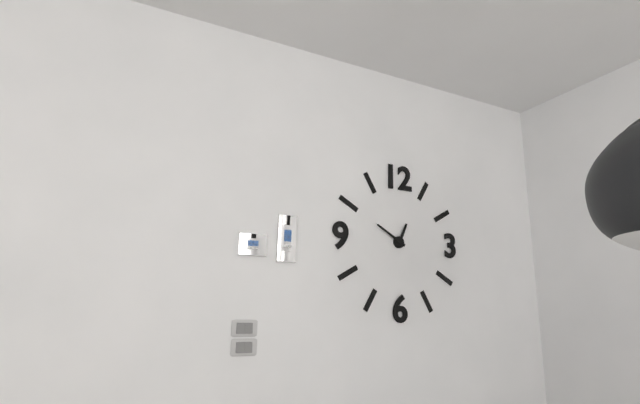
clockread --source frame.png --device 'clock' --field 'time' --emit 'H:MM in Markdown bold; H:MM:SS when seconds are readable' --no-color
**12:50**
